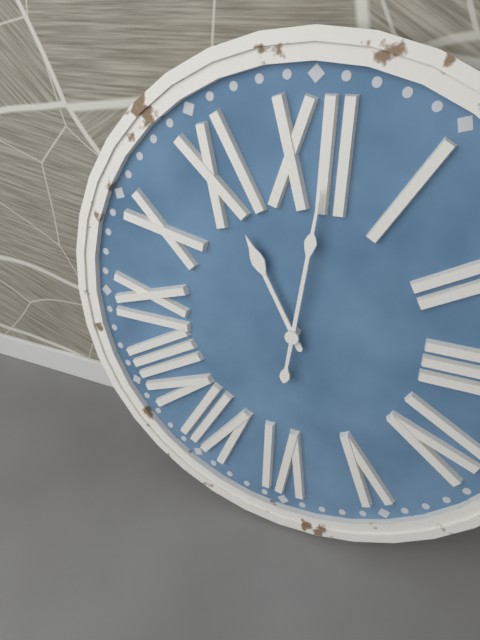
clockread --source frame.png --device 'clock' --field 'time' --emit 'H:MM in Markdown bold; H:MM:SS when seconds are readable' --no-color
**11:01**
